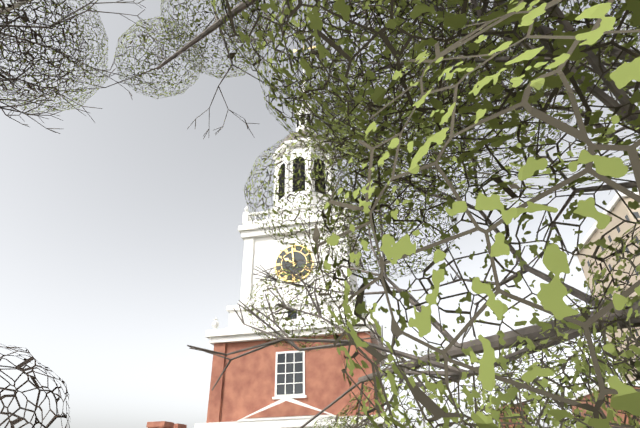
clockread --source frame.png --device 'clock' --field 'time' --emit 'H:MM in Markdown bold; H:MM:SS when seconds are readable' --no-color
**9:59**
